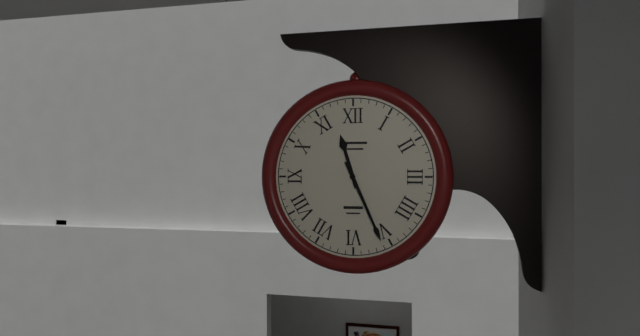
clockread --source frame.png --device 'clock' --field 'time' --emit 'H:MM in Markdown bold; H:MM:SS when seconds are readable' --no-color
**11:26**
